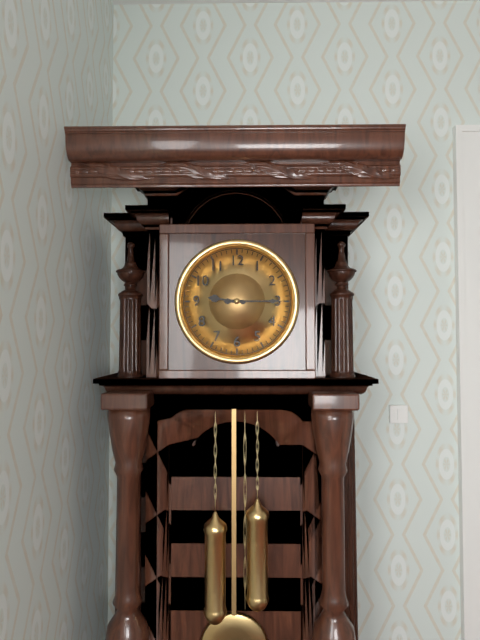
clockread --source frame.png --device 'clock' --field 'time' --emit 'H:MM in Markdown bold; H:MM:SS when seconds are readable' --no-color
**9:15**
